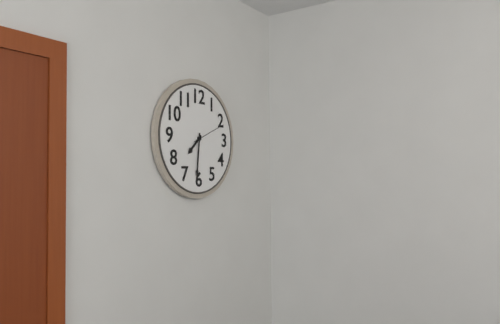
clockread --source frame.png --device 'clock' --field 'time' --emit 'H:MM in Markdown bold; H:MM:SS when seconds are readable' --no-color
**7:31**
